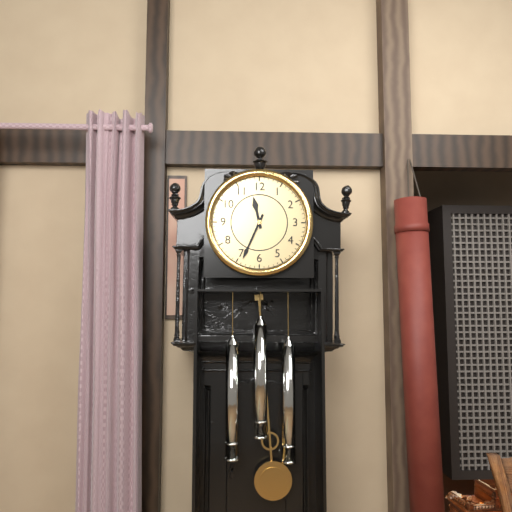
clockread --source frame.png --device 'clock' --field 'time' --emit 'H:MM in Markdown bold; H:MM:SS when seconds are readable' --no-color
**11:34**
